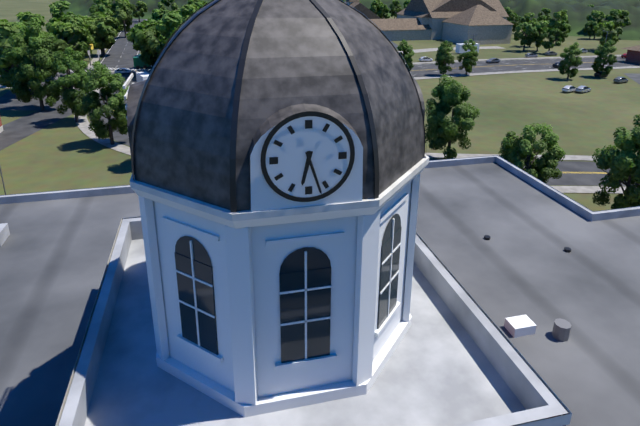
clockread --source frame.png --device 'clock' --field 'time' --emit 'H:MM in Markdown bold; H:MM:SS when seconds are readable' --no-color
**6:27**
